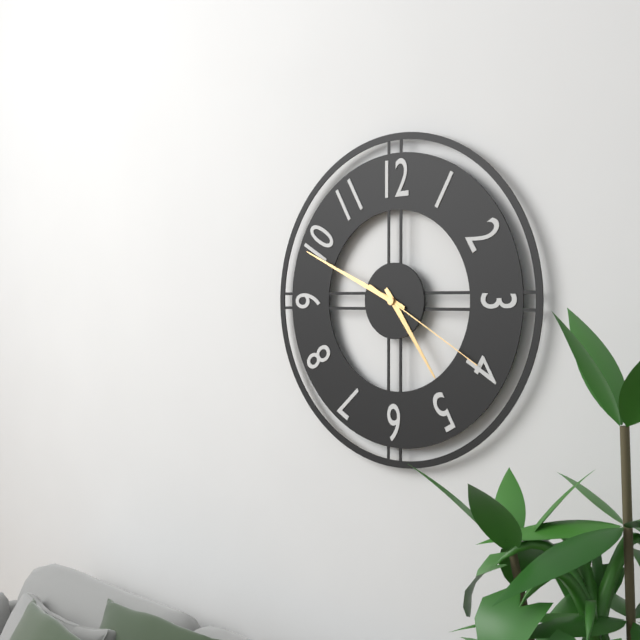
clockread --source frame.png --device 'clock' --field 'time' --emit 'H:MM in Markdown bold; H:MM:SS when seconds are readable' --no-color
**4:49:20**
